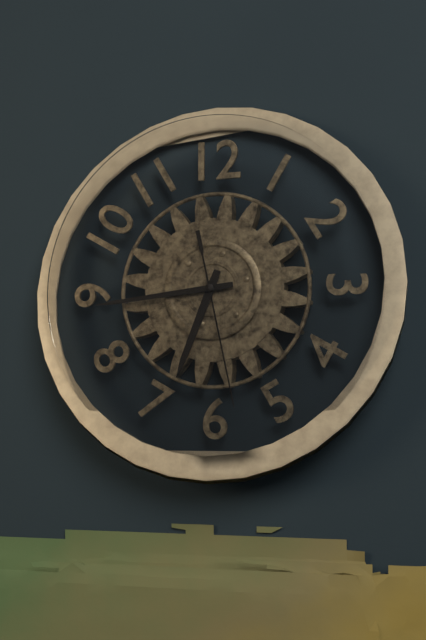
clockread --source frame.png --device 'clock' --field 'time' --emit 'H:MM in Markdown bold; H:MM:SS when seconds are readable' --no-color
**6:44:28**
